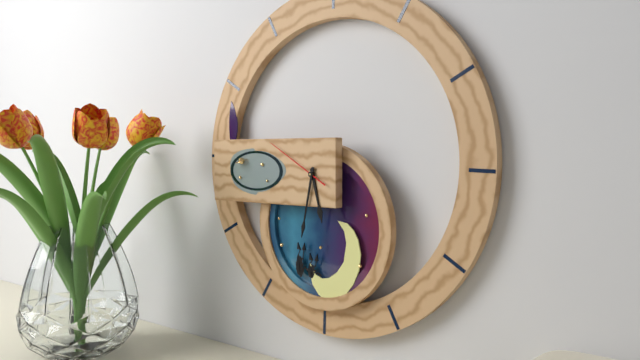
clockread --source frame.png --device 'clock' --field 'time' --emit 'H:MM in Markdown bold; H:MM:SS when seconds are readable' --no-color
**5:32:50**
